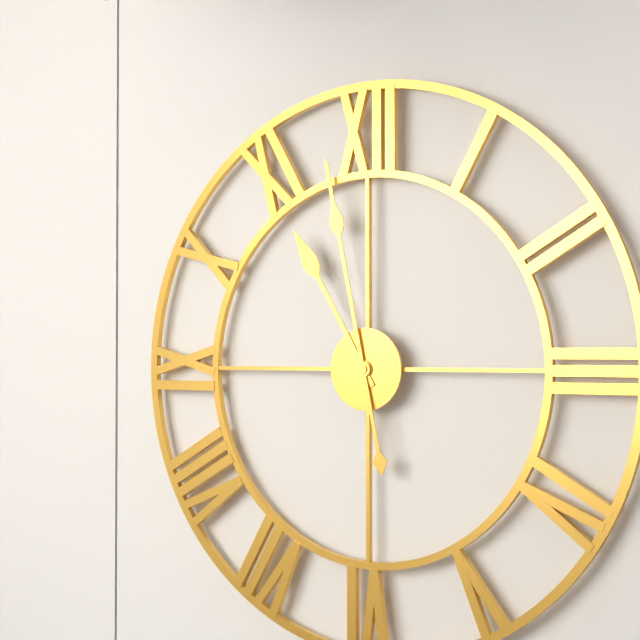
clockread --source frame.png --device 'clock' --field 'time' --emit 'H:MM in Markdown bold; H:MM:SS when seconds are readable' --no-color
**10:58**
